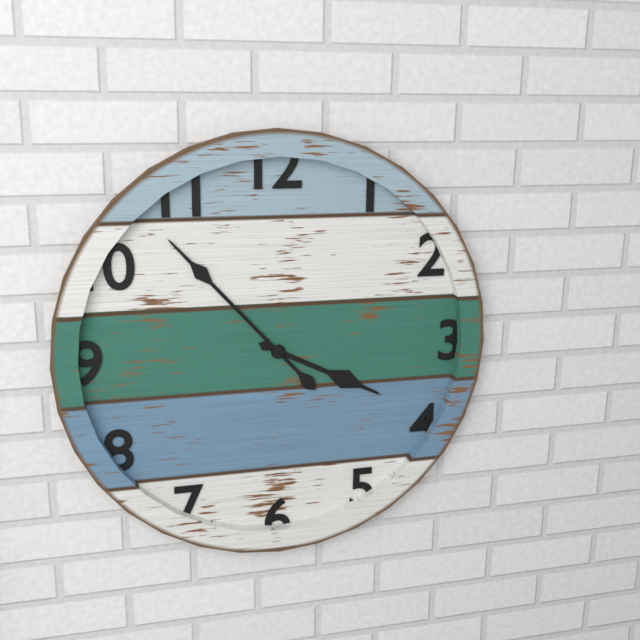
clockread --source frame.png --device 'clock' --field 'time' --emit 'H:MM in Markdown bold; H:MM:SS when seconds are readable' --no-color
**3:53**
